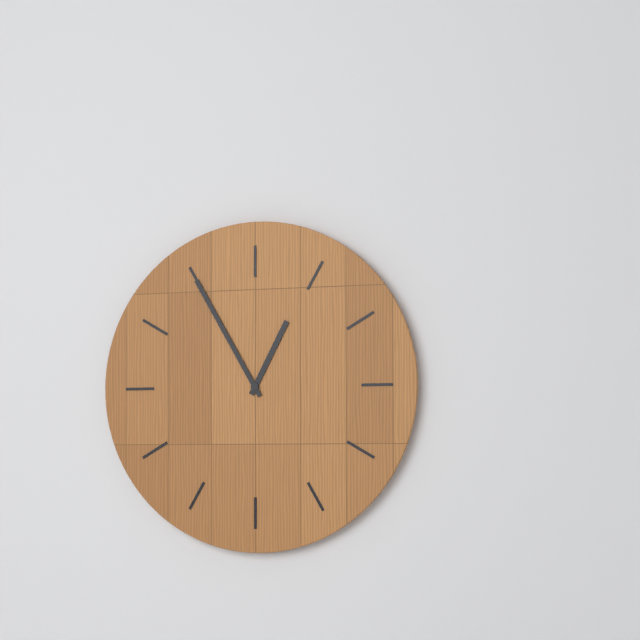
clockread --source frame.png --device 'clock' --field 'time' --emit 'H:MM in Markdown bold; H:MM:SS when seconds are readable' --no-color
**12:55**
